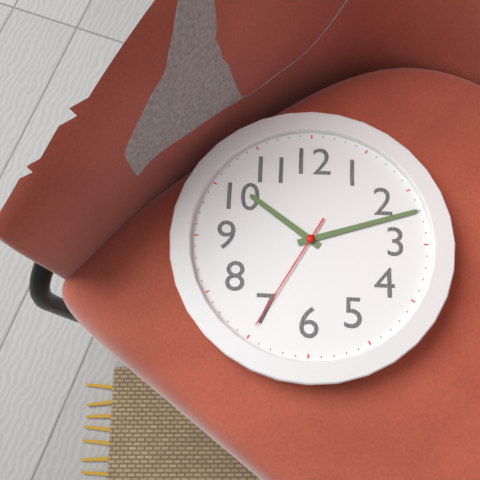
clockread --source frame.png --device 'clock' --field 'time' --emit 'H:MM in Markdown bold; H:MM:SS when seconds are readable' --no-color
**10:12:35**
